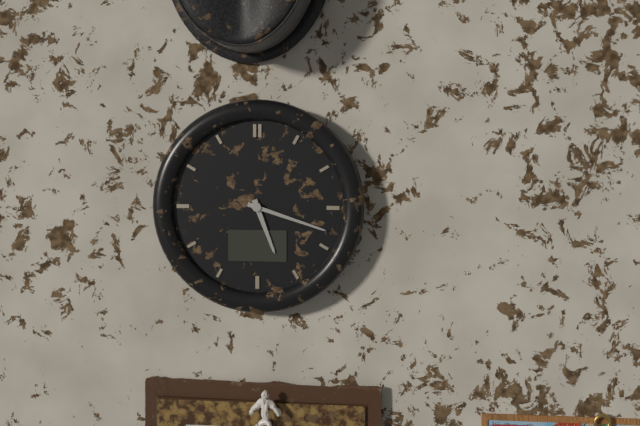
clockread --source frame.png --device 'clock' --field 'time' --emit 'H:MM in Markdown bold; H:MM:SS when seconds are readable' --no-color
**5:18**
